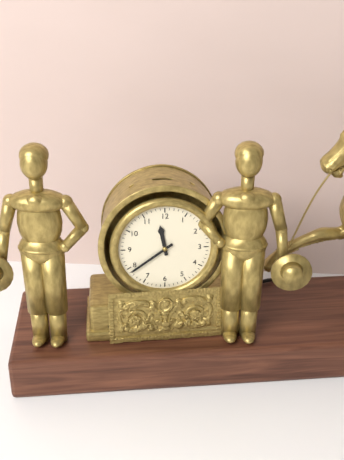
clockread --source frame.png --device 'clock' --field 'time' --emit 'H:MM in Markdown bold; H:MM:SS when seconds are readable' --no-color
**11:39**
